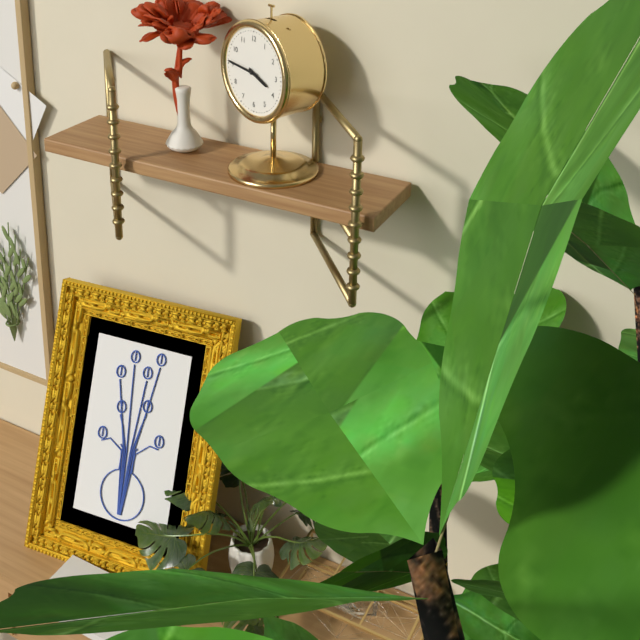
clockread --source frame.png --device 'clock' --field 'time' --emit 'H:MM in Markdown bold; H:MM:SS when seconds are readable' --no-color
**3:46**
